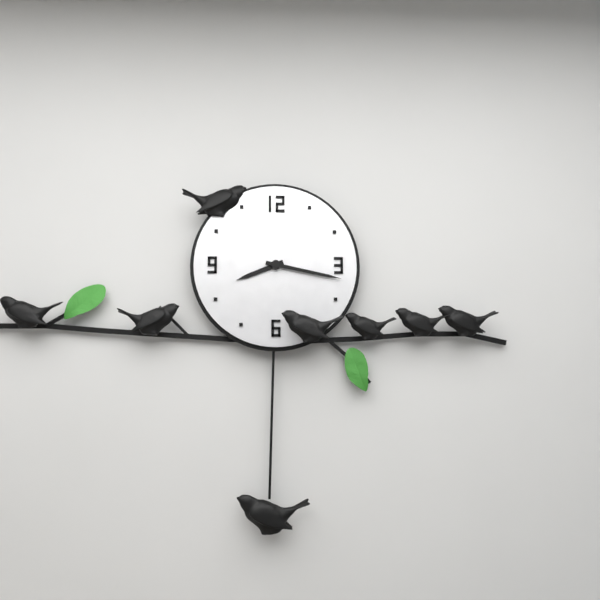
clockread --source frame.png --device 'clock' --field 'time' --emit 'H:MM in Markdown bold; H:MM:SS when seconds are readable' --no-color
**8:17**
